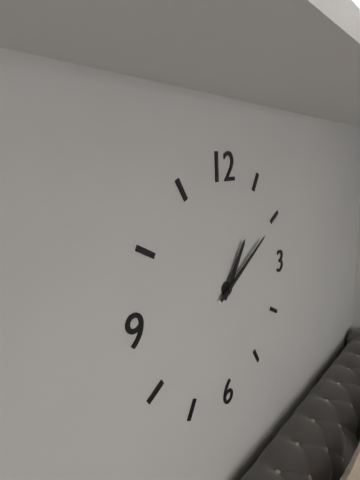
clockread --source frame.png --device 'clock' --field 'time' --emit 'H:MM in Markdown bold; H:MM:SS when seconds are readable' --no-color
**1:10**
